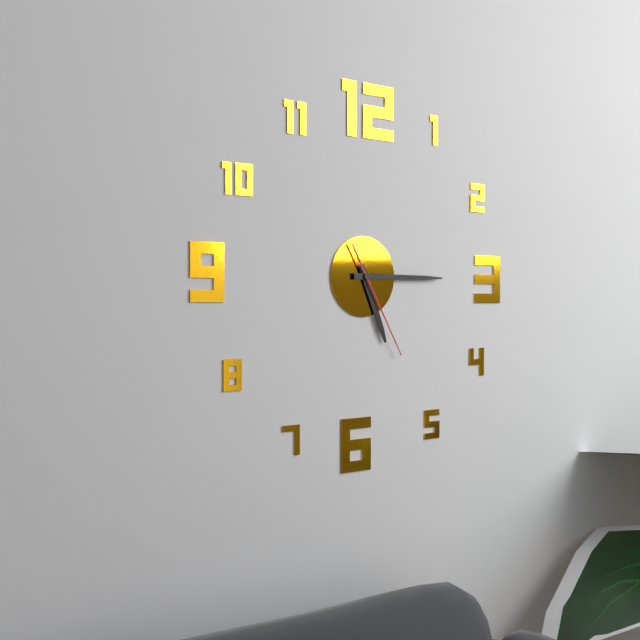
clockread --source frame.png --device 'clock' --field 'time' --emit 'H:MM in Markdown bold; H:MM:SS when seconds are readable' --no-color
**5:15:25**
